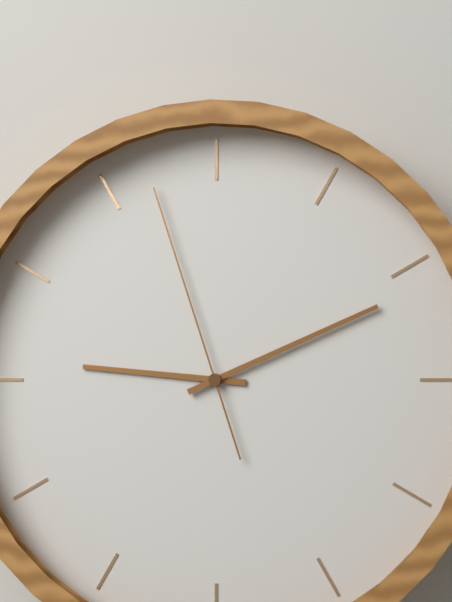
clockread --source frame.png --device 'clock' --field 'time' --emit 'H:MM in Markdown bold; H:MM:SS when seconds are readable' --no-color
**9:11:57**
